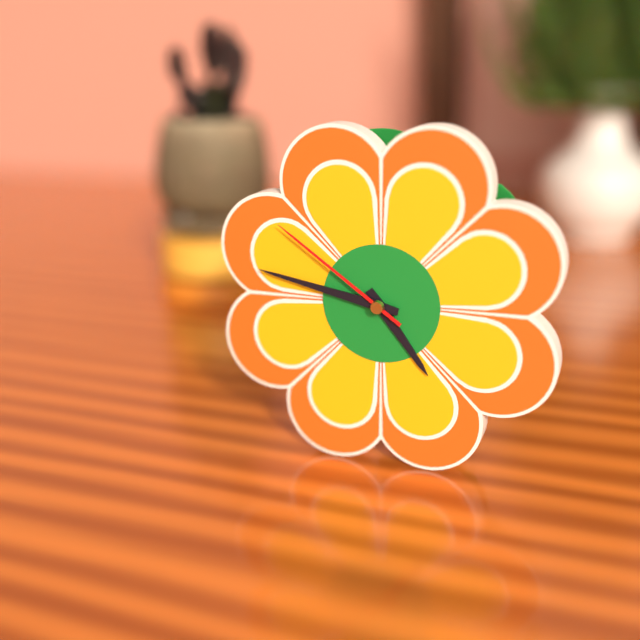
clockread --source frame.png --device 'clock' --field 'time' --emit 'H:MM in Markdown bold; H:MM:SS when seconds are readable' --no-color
**4:47:51**
